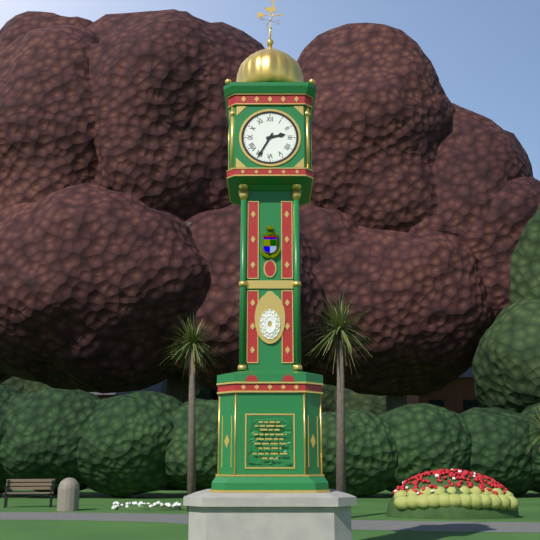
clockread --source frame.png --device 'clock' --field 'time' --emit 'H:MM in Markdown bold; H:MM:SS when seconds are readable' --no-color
**2:35**
